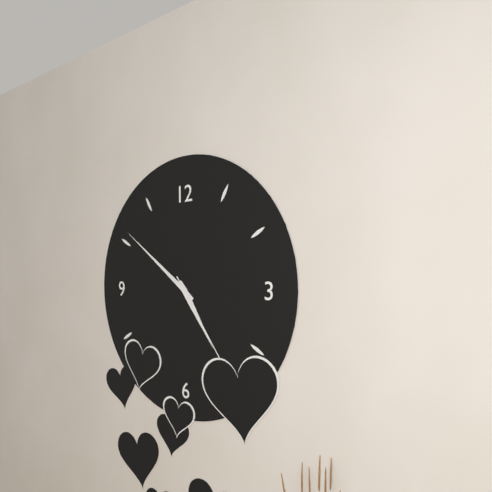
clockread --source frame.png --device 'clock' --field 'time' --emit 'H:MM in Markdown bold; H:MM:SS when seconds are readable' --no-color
**4:51:24**
